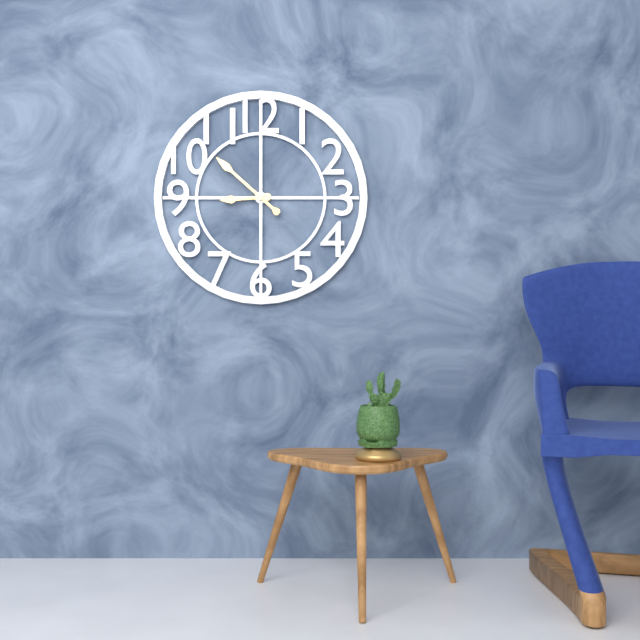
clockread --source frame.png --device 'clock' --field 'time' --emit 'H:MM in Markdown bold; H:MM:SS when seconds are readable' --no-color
**8:52**
